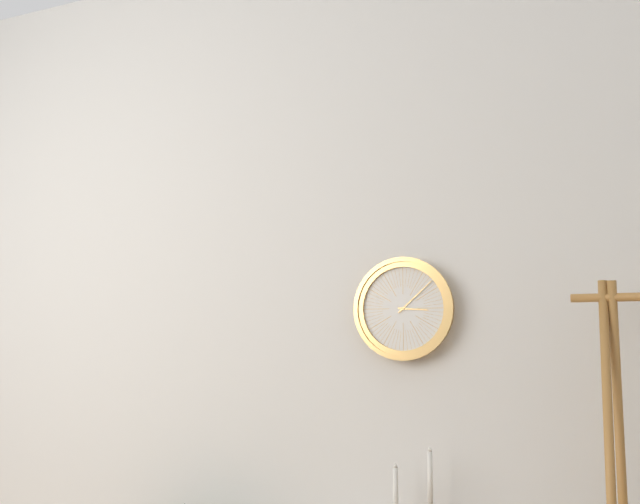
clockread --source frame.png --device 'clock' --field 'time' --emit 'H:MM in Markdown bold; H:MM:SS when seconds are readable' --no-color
**3:08**
